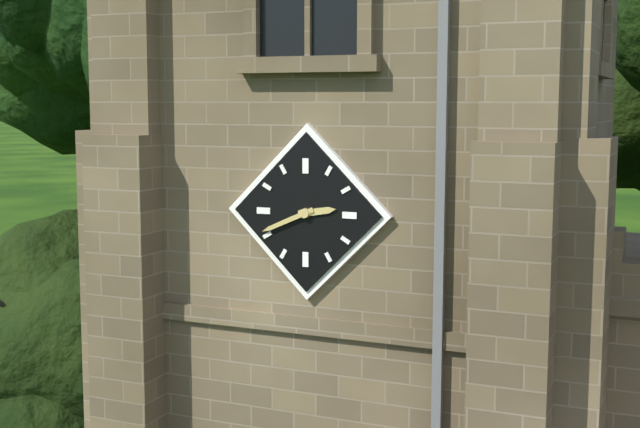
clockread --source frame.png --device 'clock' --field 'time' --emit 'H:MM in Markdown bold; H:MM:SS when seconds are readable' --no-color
**2:41**
